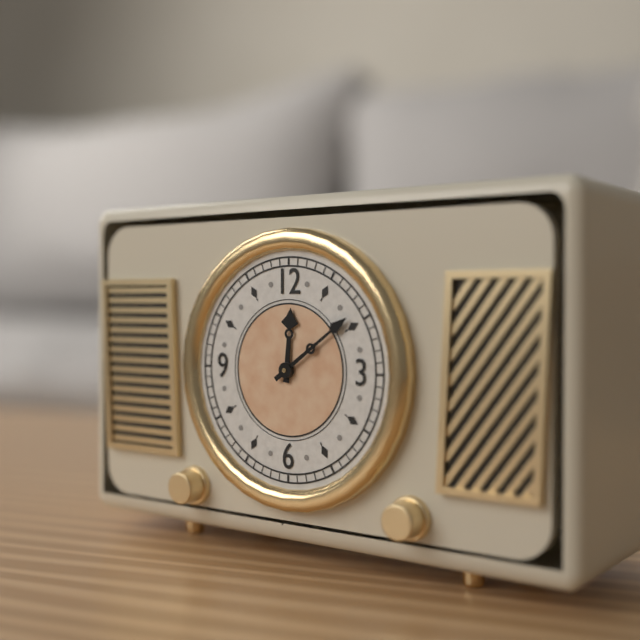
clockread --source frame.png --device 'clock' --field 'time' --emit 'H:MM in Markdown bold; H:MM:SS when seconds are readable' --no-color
**12:09**
